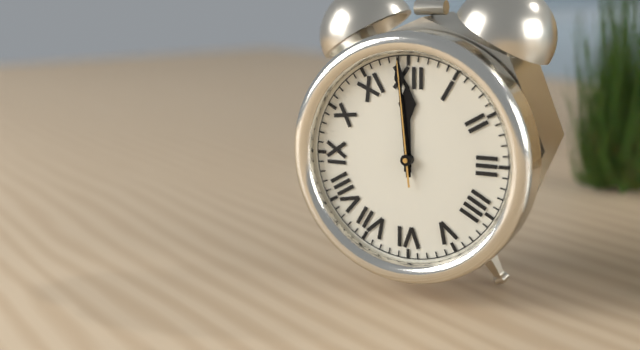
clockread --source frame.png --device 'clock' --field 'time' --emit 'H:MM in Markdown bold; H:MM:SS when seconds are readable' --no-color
**11:59:59**
